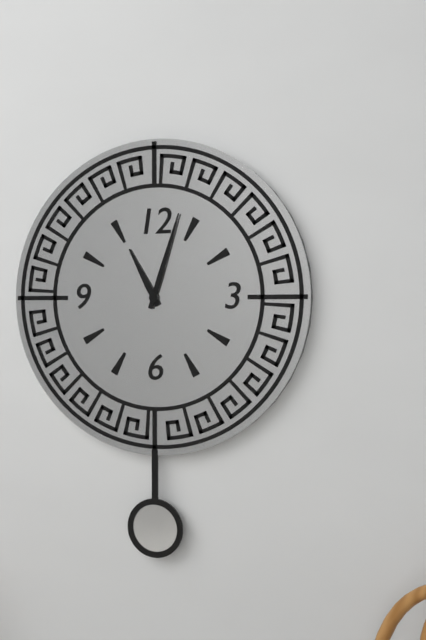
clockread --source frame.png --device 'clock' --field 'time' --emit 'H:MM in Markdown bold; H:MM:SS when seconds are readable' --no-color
**11:03**
